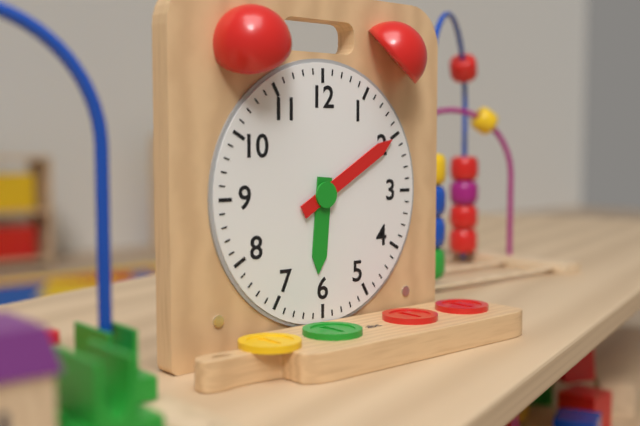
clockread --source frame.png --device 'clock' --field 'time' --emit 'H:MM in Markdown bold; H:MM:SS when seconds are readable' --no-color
**6:10**
